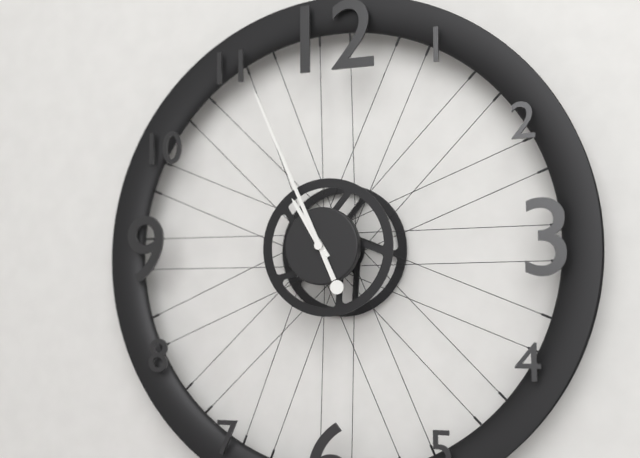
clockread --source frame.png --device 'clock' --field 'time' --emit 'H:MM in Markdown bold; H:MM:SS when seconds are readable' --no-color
**10:56**
